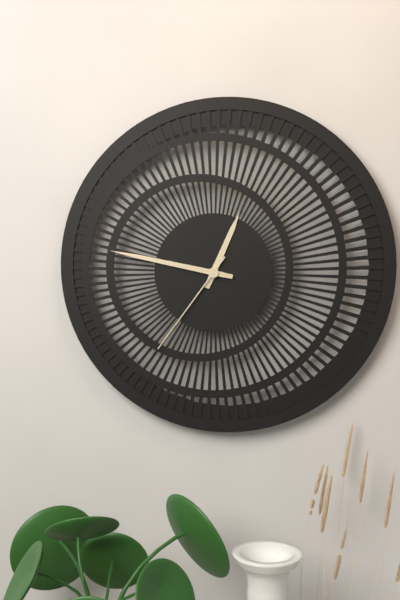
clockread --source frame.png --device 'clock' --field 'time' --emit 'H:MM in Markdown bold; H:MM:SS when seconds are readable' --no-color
**12:47:36**
